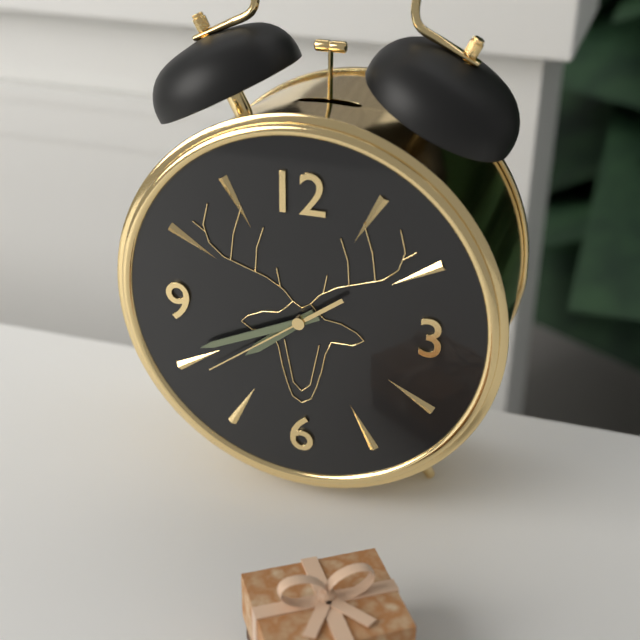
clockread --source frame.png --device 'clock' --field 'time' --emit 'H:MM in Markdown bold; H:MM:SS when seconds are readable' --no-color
**7:41:39**
